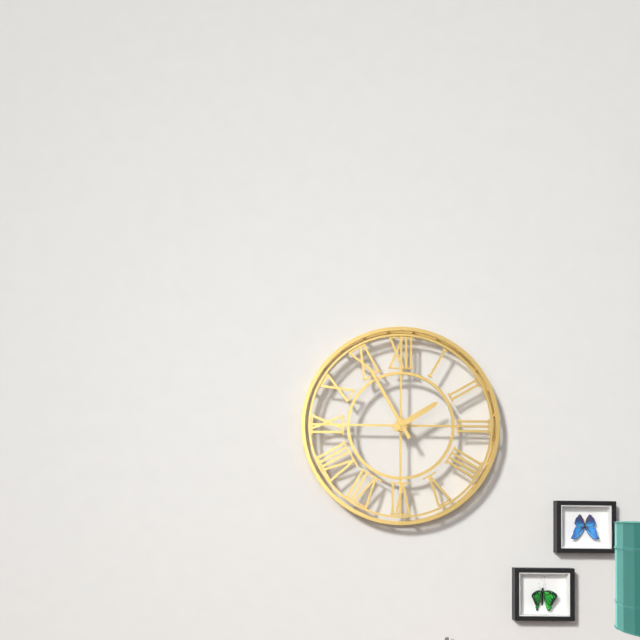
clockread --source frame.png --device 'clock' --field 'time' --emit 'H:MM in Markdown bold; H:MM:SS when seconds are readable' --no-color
**1:55**
